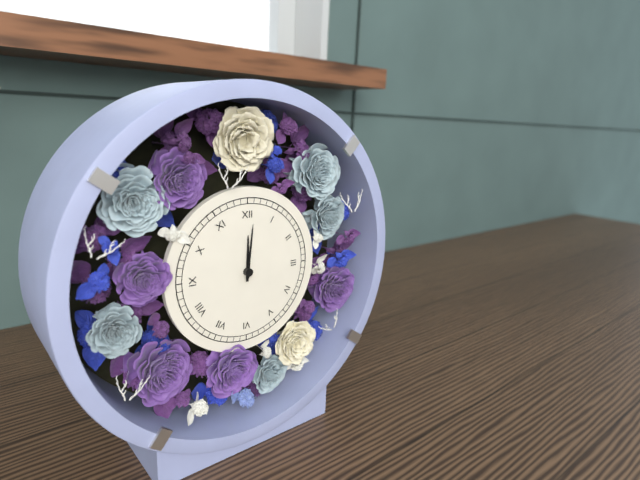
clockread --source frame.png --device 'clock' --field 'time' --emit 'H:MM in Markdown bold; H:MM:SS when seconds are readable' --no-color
**12:01**
